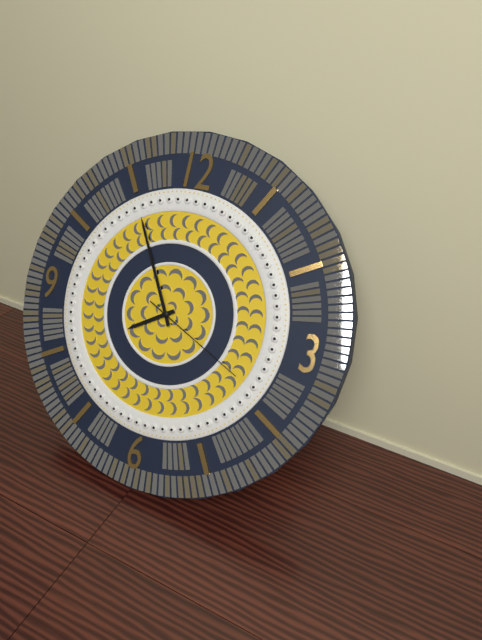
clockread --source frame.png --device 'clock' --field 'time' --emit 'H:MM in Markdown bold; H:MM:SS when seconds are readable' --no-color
**7:55:19**
